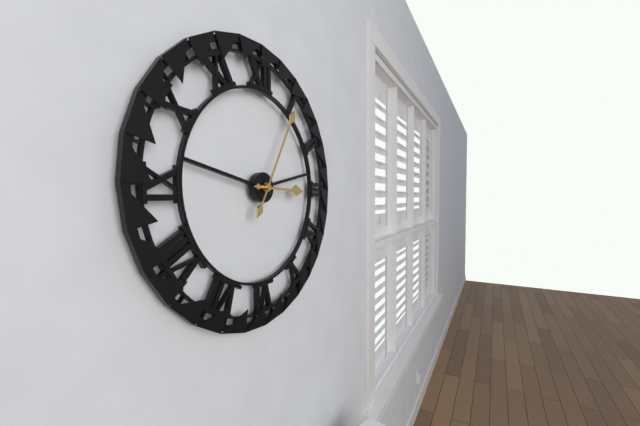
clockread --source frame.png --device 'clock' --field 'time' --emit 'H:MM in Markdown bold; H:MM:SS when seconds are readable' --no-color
**3:05**
